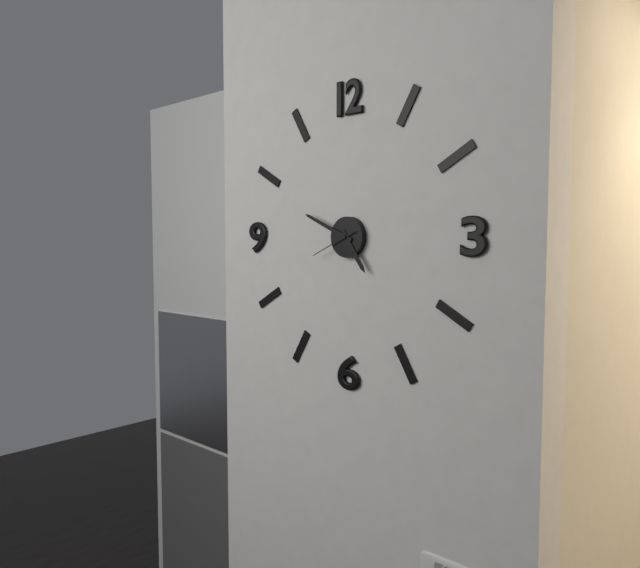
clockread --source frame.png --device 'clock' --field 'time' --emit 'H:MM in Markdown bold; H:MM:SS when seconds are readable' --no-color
**4:49:41**
